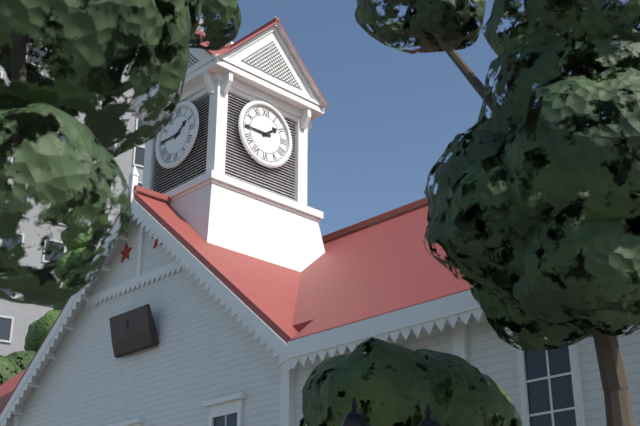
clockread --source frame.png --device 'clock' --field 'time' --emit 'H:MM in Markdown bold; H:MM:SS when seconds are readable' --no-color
**1:45**
